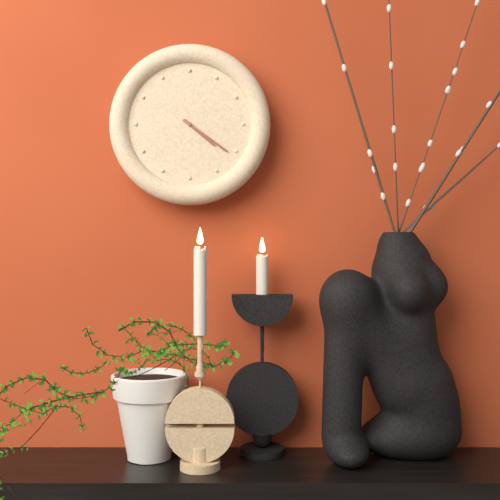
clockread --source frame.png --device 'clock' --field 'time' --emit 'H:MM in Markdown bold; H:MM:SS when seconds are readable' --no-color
**4:21**
